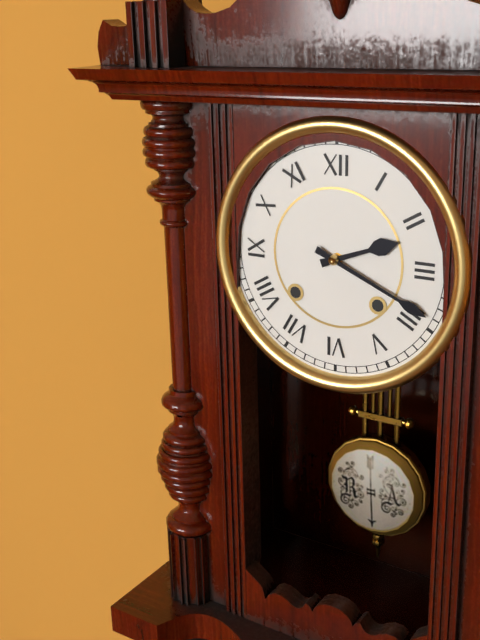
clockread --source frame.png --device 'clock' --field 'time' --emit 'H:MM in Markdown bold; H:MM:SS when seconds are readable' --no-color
**2:19**
